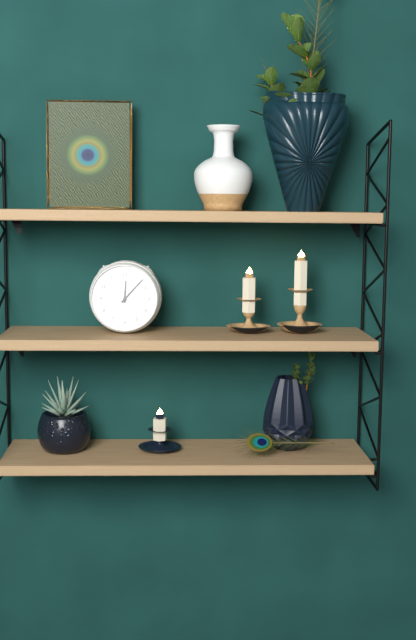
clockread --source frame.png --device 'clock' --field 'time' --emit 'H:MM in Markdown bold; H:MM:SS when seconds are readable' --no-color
**12:07**
